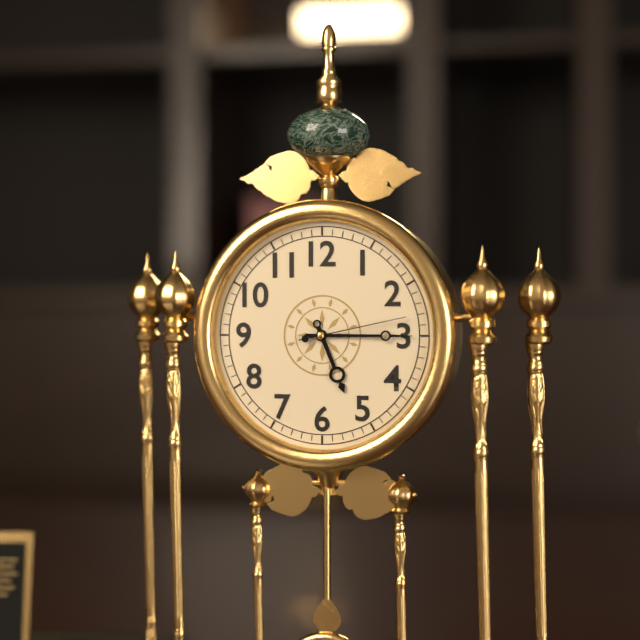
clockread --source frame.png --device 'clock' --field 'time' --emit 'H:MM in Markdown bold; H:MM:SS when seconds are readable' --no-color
**5:15:13**
